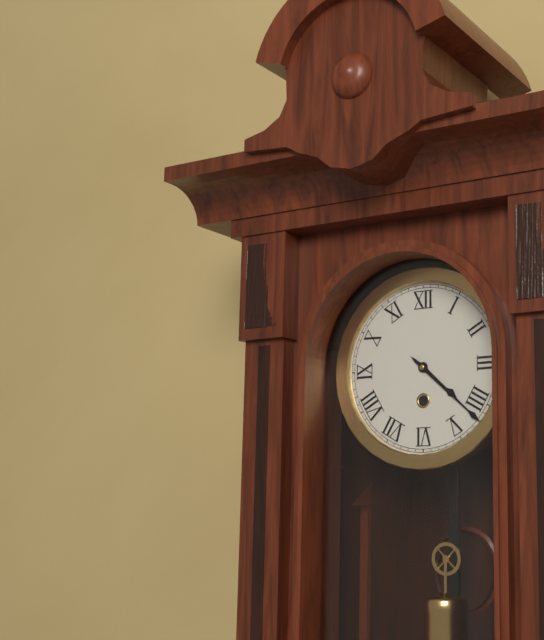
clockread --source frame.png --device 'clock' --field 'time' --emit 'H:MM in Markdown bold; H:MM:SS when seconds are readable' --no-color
**4:22**
